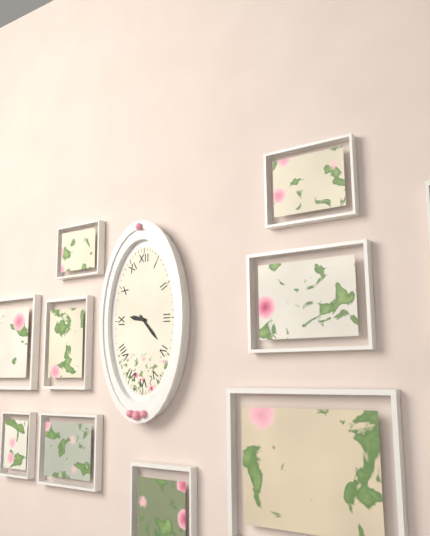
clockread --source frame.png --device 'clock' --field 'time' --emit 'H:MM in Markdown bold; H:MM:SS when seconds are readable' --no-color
**9:23**
